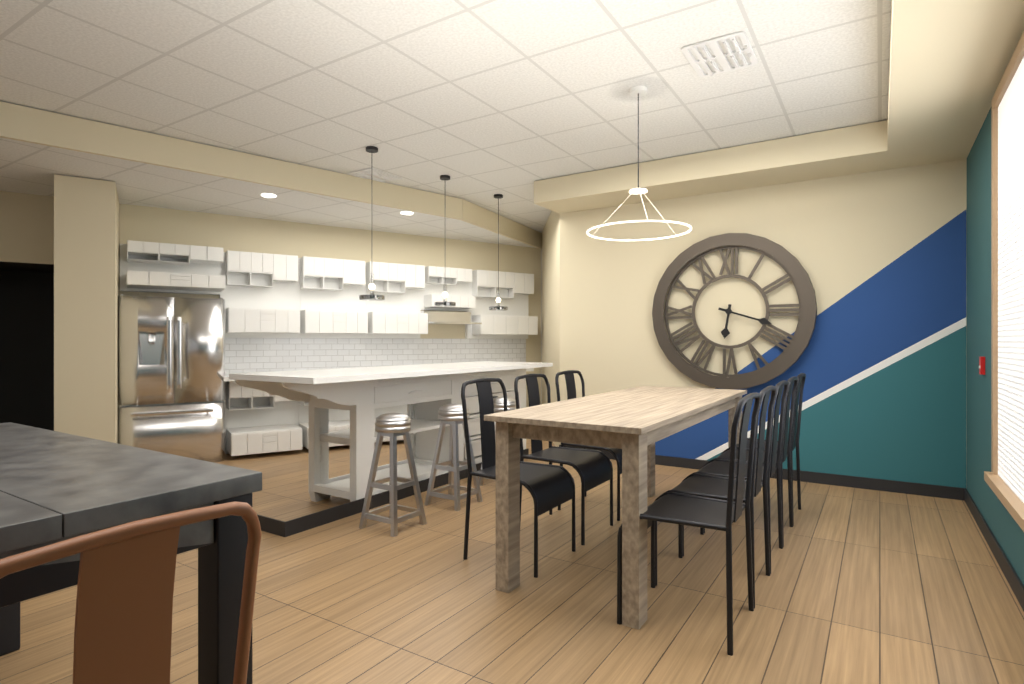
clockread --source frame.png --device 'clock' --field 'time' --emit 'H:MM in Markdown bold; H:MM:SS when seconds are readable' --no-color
**6:18**
